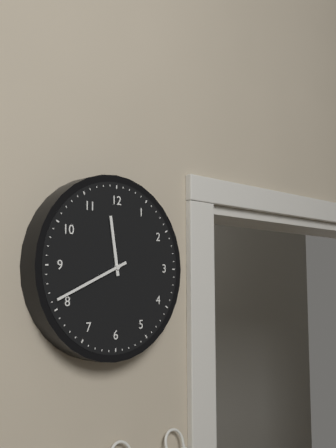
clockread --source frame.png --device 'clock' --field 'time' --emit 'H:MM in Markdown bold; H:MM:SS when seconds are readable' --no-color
**11:41**
